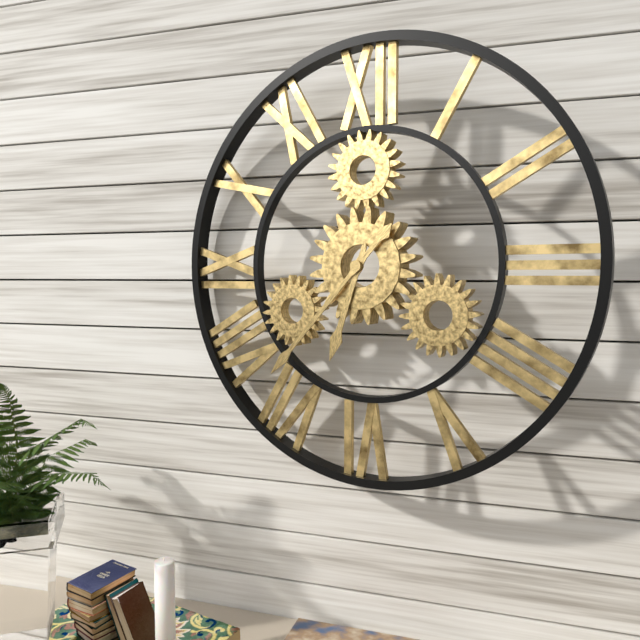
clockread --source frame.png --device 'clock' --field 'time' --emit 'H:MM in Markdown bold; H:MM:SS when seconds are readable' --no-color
**6:37**
